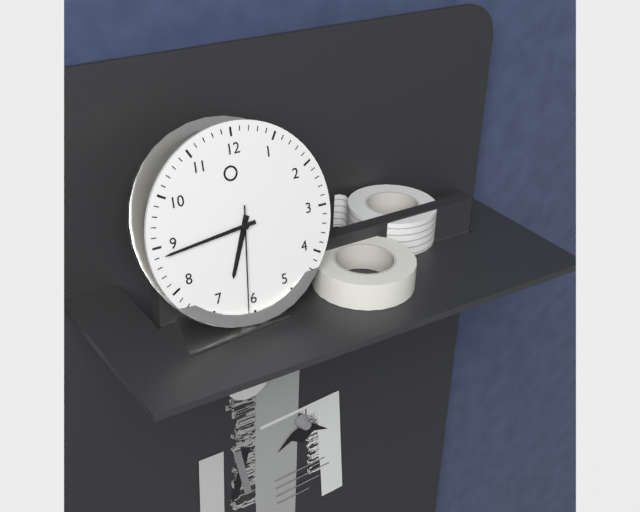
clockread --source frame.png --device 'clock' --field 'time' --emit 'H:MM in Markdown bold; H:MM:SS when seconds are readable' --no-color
**6:44:31**
